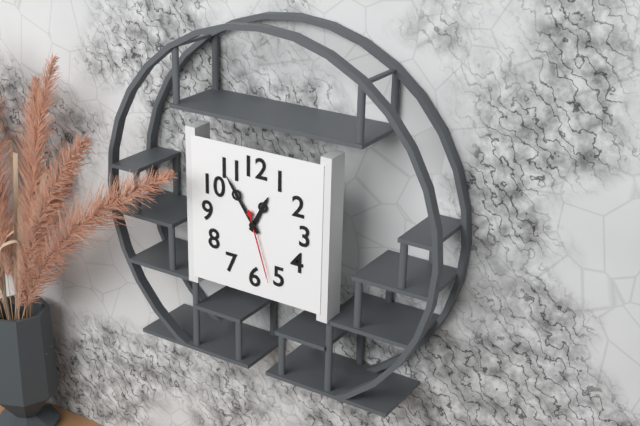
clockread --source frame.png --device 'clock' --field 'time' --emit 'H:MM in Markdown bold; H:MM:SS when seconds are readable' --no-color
**12:54:27**
